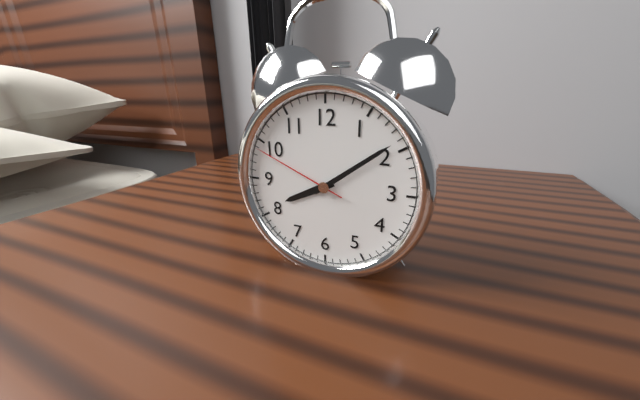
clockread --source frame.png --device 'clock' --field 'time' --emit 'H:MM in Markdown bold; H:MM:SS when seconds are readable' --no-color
**8:09:49**
